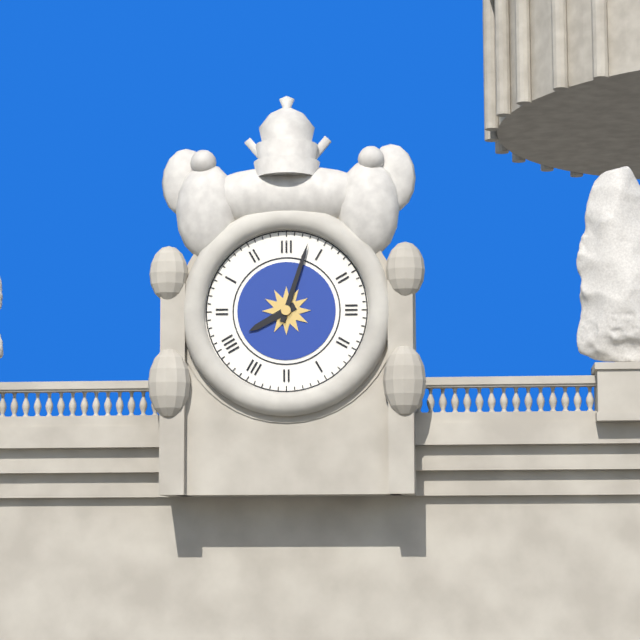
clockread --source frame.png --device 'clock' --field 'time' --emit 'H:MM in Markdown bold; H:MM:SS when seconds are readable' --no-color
**8:03**
